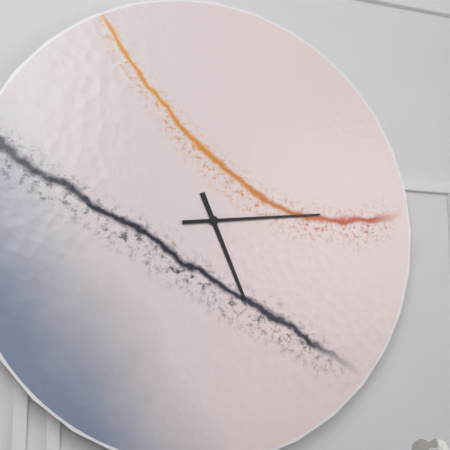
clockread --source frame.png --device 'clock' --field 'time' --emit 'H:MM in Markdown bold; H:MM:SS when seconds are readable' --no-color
**5:14**
